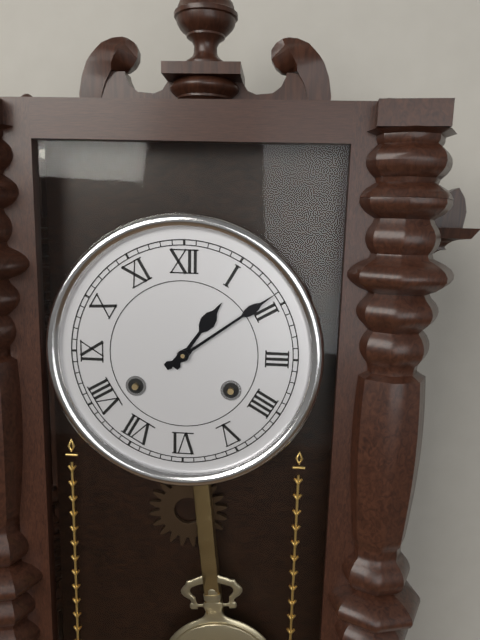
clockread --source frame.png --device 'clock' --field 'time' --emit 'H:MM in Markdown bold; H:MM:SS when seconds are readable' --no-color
**1:09**
